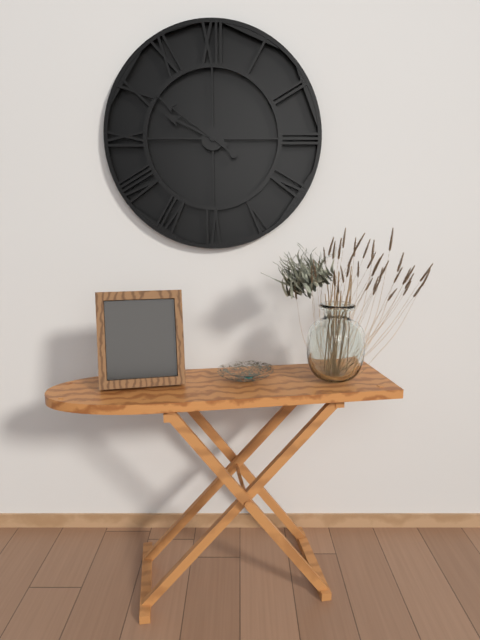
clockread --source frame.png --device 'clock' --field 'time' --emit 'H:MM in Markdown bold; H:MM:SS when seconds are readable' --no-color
**9:51**
